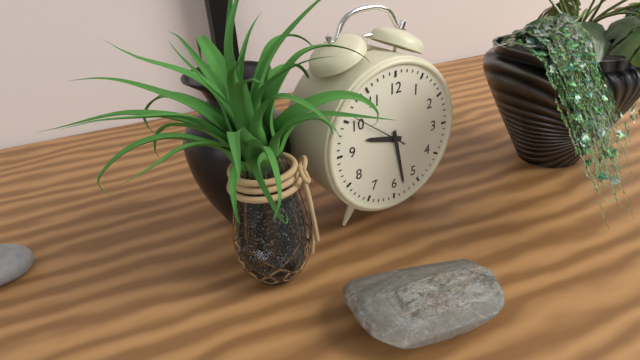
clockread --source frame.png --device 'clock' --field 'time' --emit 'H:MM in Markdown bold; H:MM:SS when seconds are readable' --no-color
**9:28:51**
